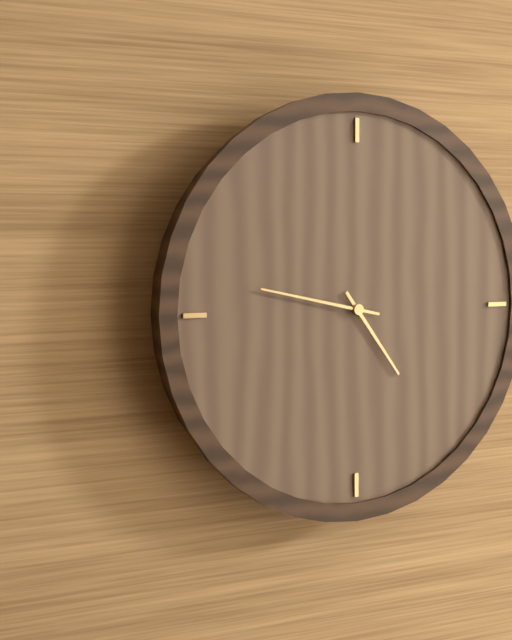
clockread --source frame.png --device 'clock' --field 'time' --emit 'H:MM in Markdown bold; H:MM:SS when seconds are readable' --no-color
**4:47**
